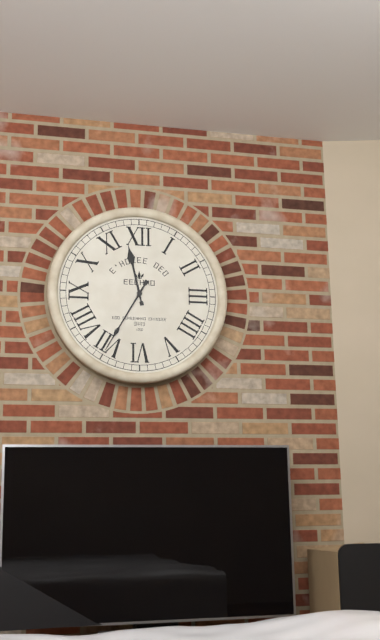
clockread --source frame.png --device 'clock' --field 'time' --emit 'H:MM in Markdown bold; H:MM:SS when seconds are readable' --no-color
**11:35**
